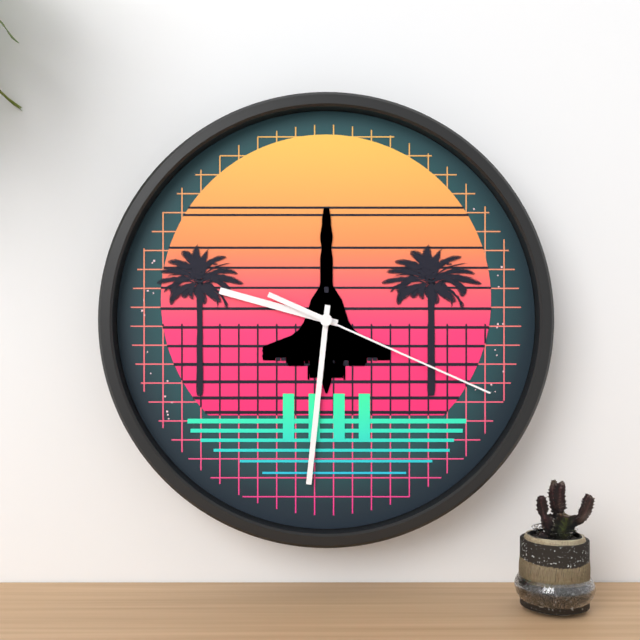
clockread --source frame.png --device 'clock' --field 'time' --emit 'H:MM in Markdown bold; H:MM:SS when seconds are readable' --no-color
**9:31:19**
